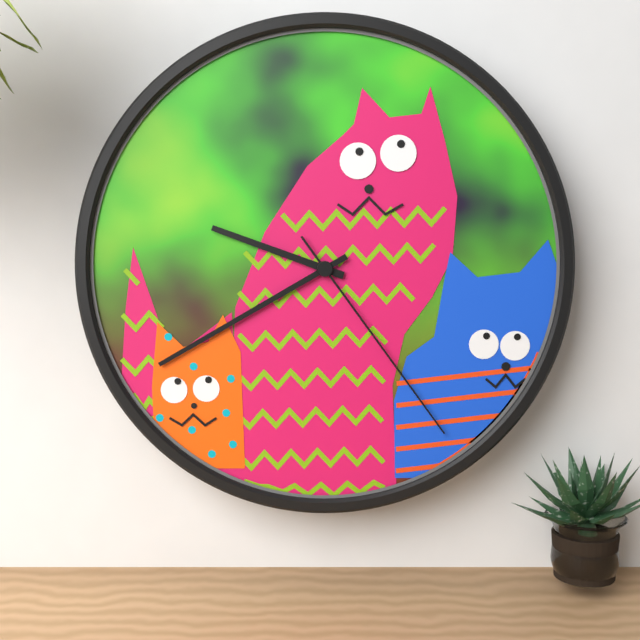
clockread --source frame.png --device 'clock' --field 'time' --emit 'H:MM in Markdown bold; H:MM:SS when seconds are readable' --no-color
**9:40:24**
